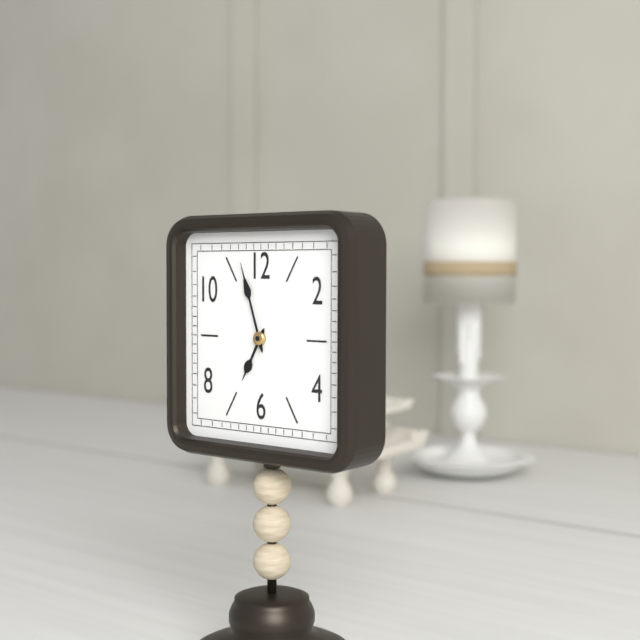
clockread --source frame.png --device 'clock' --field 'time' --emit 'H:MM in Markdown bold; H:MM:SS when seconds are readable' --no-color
**6:57**
